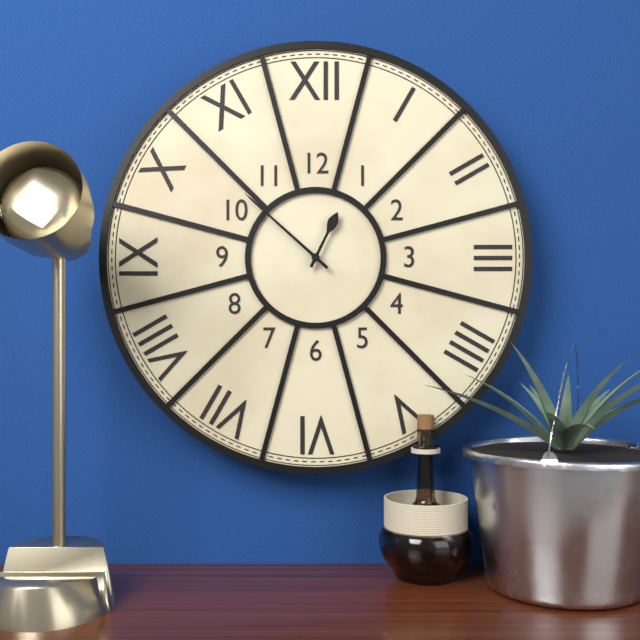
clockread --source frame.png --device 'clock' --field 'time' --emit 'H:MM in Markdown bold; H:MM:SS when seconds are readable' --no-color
**12:52**
